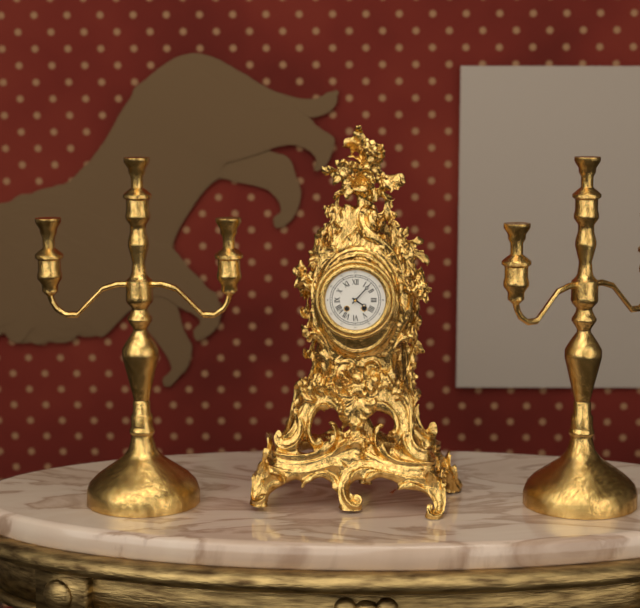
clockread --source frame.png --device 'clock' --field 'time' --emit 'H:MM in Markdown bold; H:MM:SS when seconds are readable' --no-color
**4:07**
